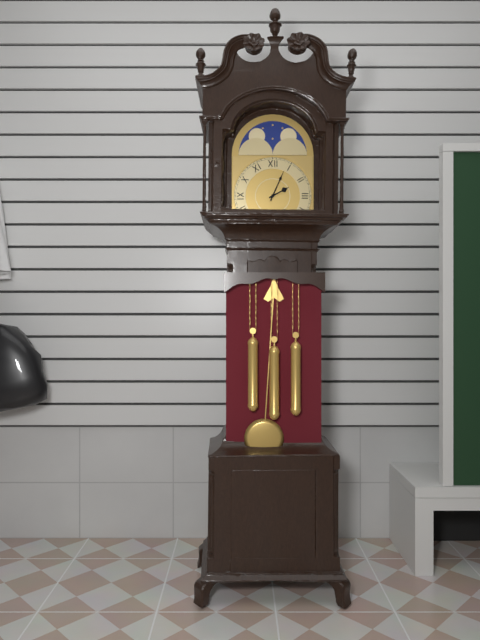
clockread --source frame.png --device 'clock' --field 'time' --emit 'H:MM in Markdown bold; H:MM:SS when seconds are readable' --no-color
**2:04**
